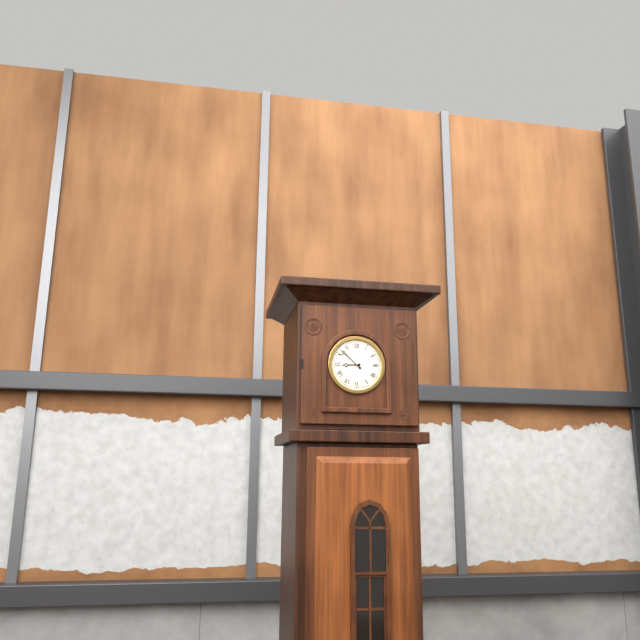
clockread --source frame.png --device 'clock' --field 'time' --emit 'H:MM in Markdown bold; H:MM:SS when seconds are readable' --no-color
**8:52**
